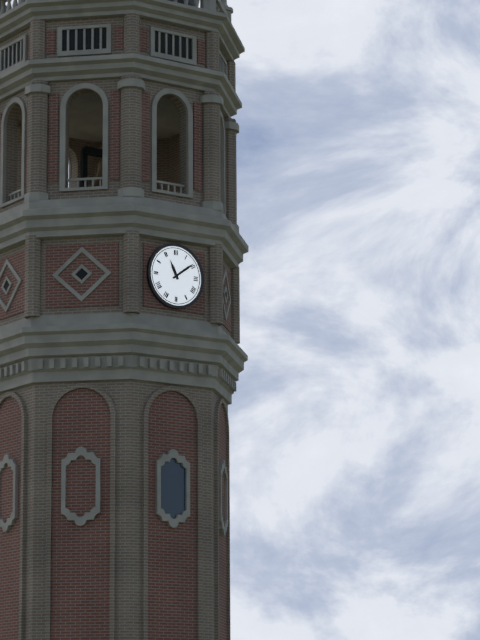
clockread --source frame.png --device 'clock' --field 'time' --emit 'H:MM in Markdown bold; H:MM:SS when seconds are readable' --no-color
**11:09**
